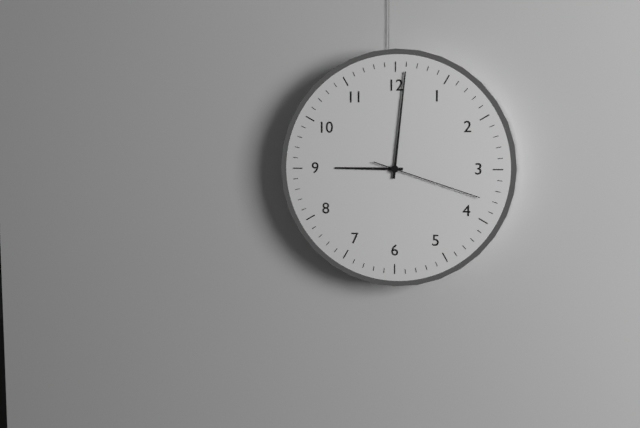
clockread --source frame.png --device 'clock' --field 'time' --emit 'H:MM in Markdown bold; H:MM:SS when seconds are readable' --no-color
**9:01:18**
